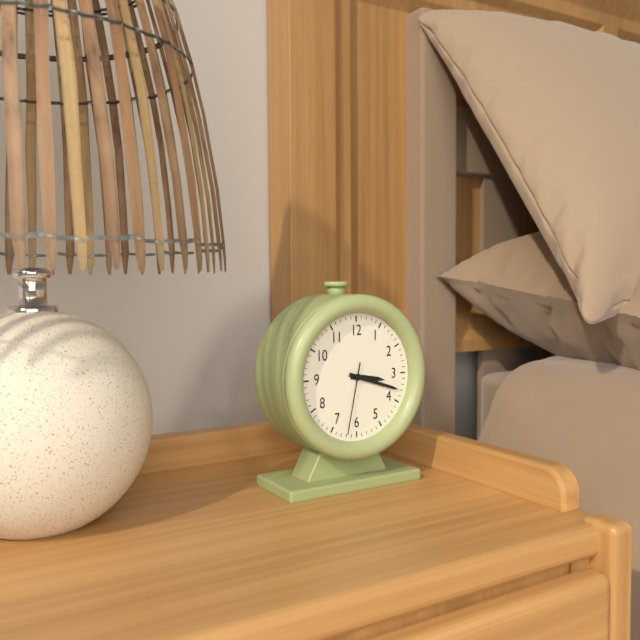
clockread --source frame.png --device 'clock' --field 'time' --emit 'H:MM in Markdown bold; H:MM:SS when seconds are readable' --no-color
**3:18:32**
